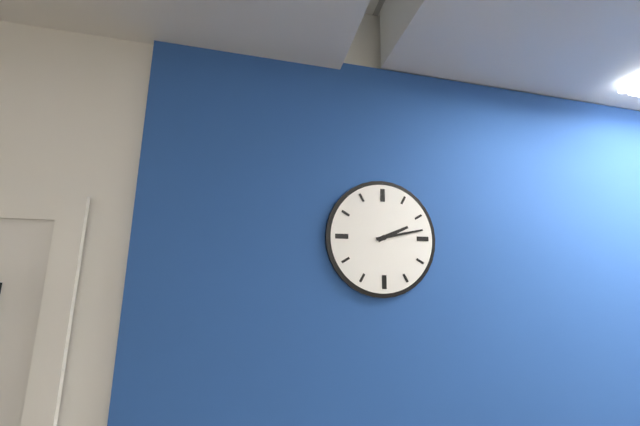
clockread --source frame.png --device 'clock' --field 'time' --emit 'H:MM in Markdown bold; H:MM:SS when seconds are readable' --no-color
**2:13**
